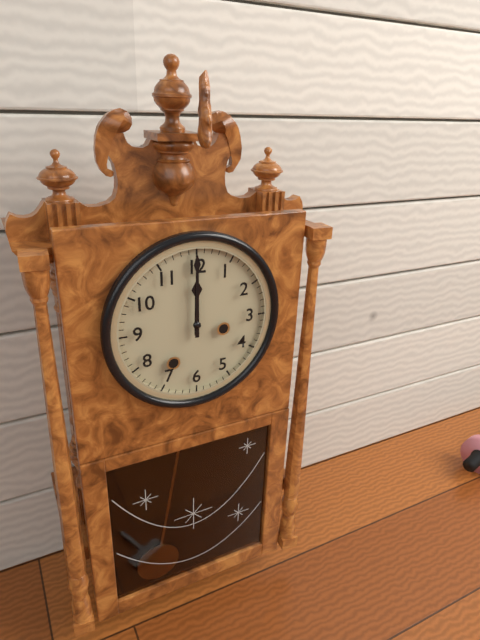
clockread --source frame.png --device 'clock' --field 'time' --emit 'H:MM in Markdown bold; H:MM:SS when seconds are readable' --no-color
**12:00**
